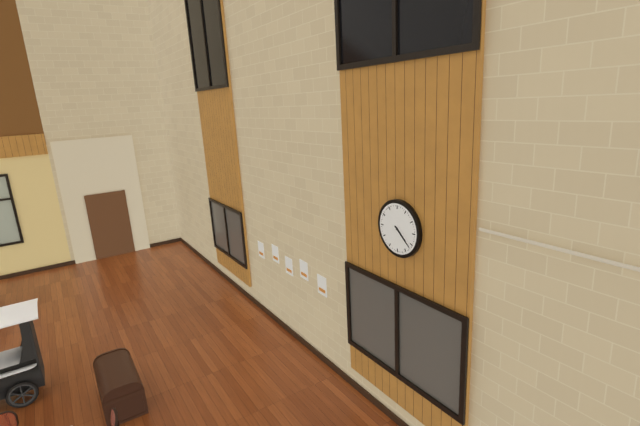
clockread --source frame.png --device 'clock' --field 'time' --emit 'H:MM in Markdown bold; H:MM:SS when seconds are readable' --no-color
**4:22**
